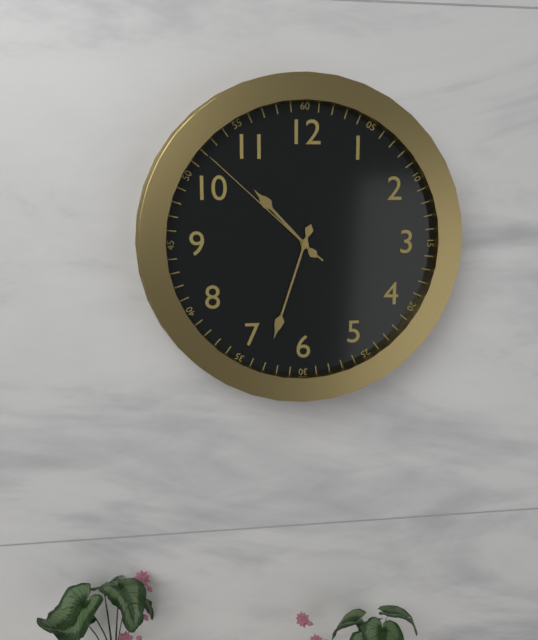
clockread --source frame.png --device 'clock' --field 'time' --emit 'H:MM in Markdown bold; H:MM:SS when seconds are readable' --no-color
**10:33:52**
